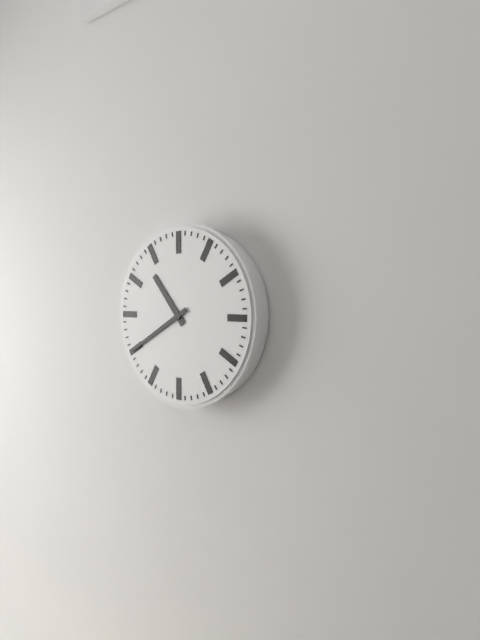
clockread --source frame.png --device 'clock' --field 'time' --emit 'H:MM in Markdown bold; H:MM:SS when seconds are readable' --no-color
**10:40**
